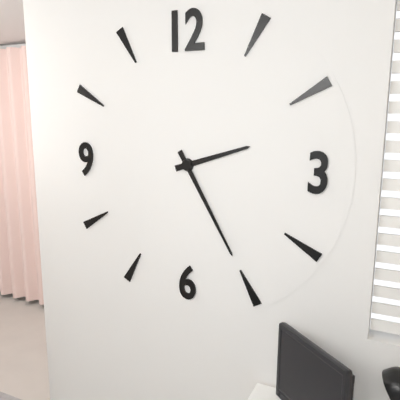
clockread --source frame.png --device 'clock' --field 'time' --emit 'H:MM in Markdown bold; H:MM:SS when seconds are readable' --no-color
**2:25**
